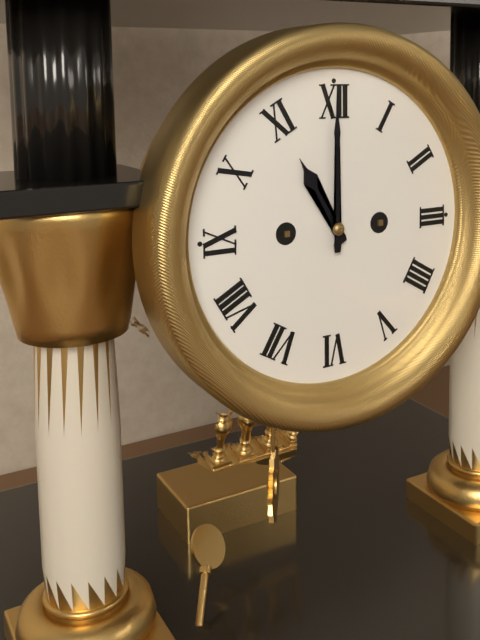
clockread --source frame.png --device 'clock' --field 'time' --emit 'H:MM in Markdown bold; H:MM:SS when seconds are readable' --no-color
**11:00**
